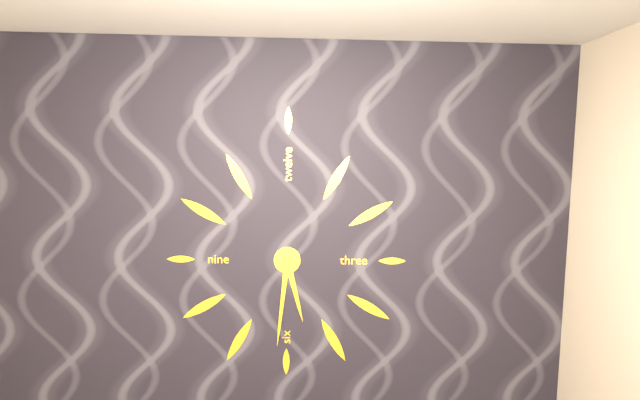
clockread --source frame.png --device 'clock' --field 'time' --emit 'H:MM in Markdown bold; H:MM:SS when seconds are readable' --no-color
**5:31**
